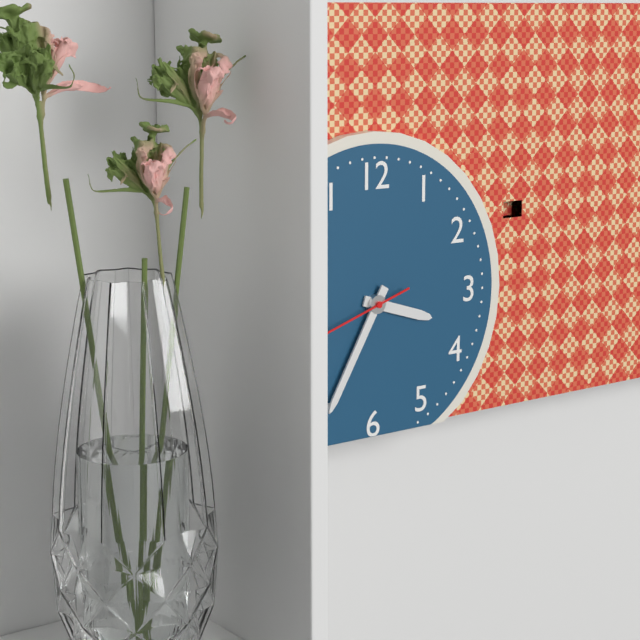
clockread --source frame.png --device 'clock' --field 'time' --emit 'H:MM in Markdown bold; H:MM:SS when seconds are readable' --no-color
**3:35**
